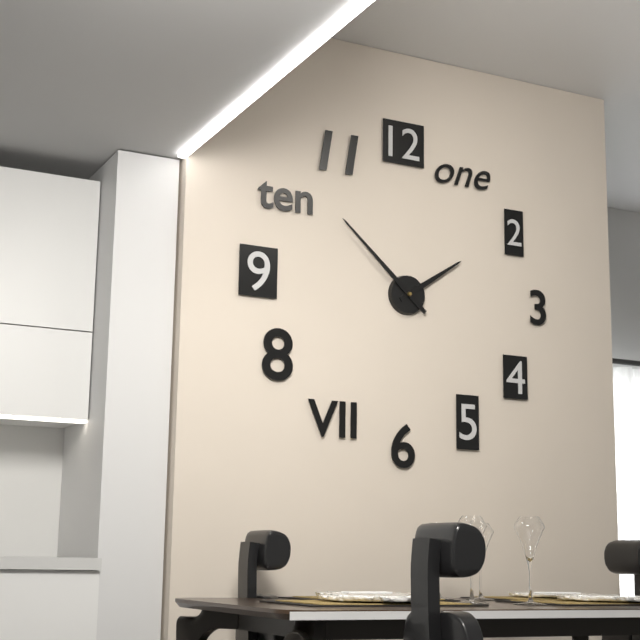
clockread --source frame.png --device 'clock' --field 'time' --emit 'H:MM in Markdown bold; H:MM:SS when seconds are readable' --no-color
**1:52**
